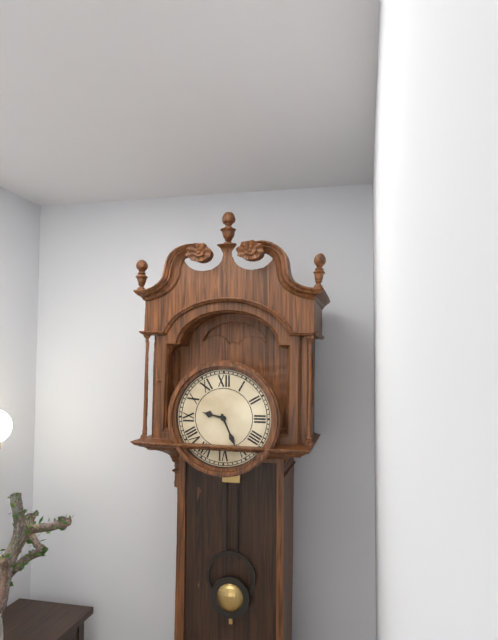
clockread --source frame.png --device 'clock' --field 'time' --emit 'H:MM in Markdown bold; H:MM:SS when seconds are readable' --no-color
**9:26**
